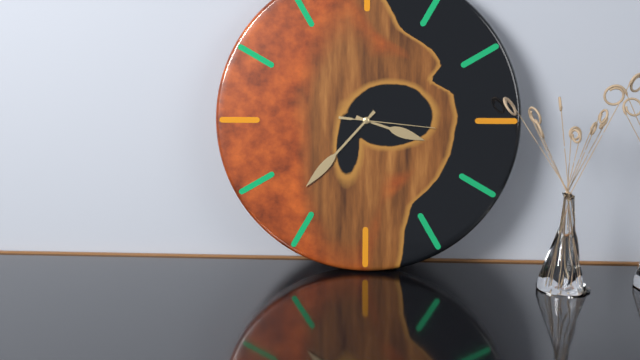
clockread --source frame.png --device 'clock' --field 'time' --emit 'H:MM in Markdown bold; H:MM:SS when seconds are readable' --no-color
**3:37:16**
